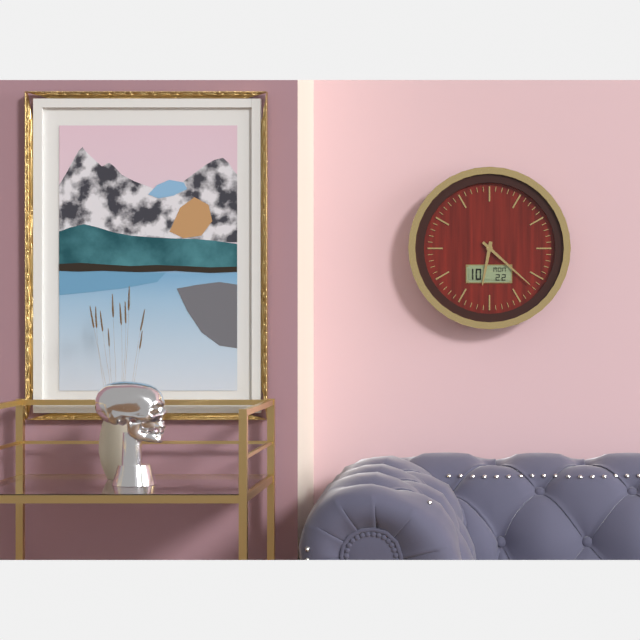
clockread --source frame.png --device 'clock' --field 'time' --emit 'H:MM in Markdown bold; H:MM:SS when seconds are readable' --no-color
**6:22**
